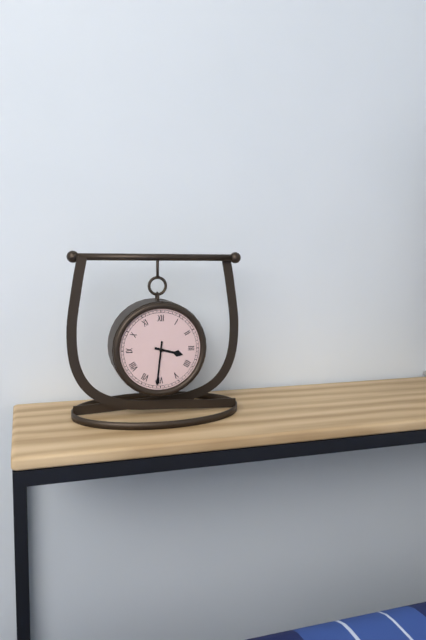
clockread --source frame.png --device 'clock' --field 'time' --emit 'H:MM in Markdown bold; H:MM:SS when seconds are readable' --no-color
**3:31**
